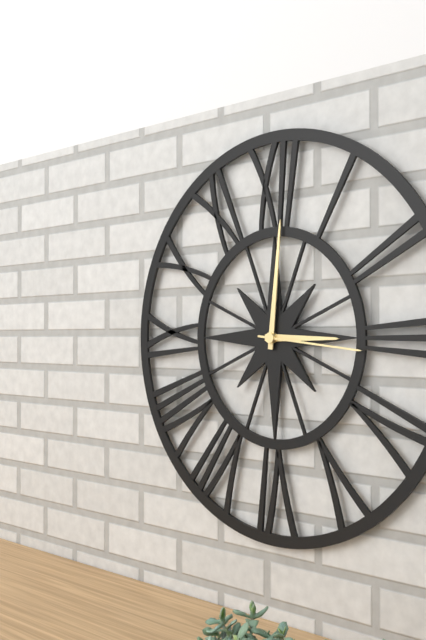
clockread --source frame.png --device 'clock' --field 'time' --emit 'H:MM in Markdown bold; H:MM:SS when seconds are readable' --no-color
**3:01:16**
